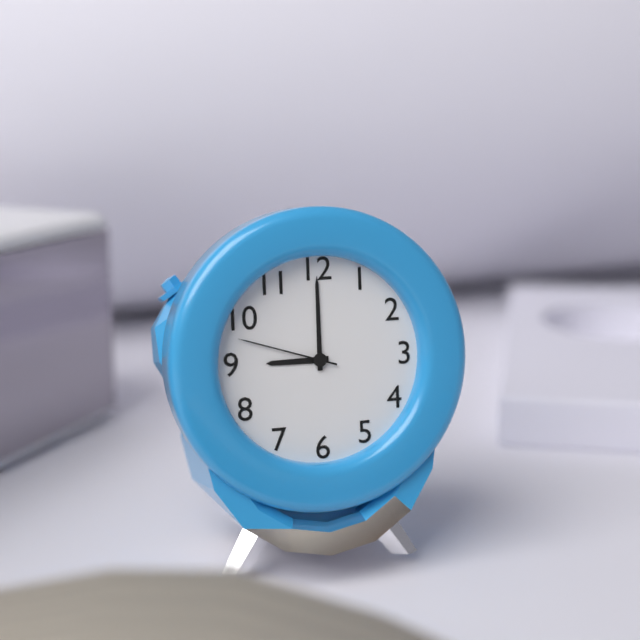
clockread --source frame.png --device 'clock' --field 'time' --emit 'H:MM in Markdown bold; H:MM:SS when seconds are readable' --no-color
**9:00:48**
